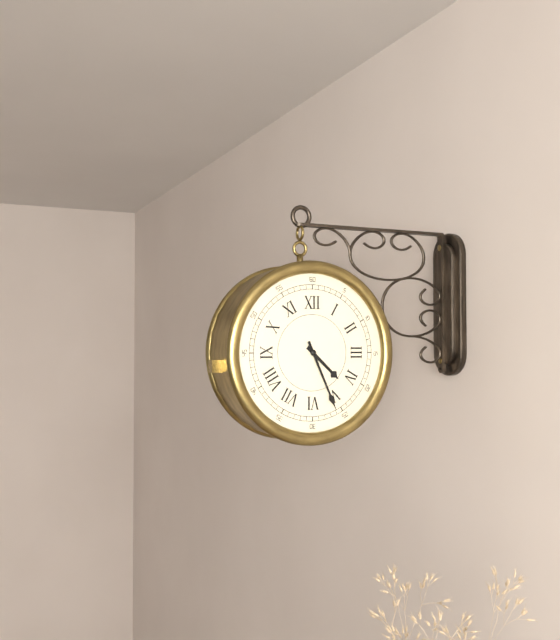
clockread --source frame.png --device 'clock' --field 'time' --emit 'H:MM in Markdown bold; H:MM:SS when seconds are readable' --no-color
**4:26**
